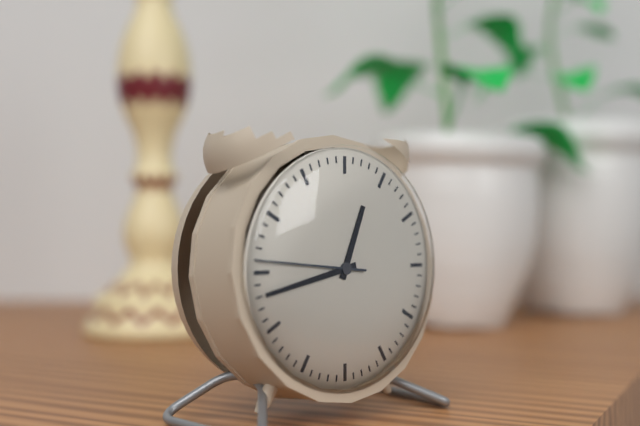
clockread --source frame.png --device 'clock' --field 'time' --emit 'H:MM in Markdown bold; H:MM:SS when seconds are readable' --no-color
**12:43:46**
